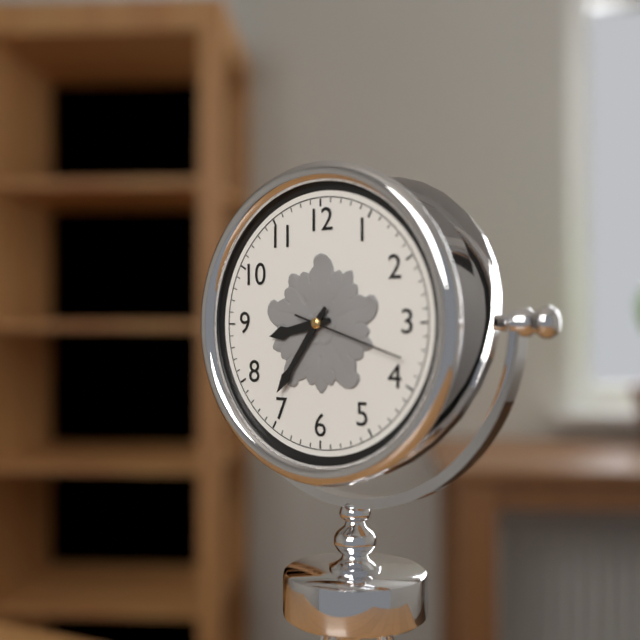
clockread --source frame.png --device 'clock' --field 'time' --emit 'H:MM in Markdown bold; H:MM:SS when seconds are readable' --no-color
**8:36:18**
